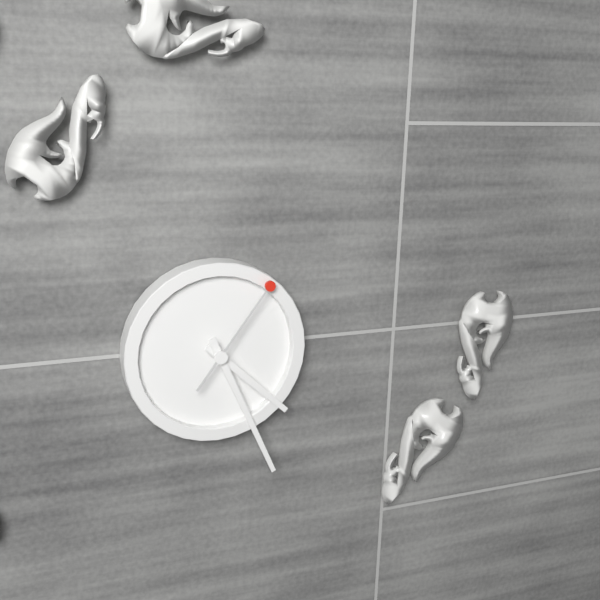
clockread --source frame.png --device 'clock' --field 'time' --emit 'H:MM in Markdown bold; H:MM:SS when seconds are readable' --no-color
**4:26:06**
